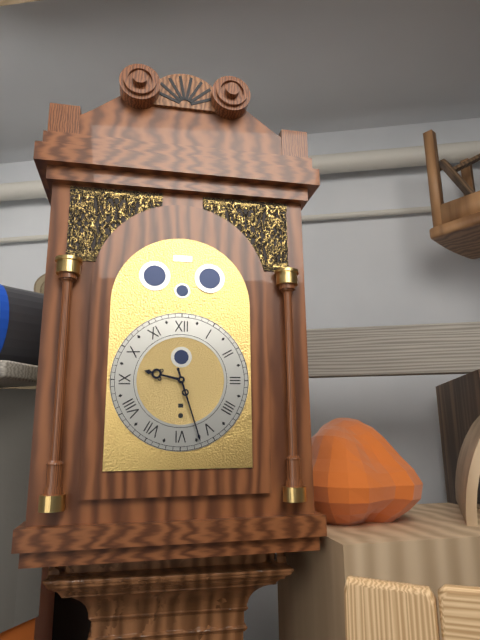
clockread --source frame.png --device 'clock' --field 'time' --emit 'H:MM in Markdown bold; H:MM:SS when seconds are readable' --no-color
**9:27**
